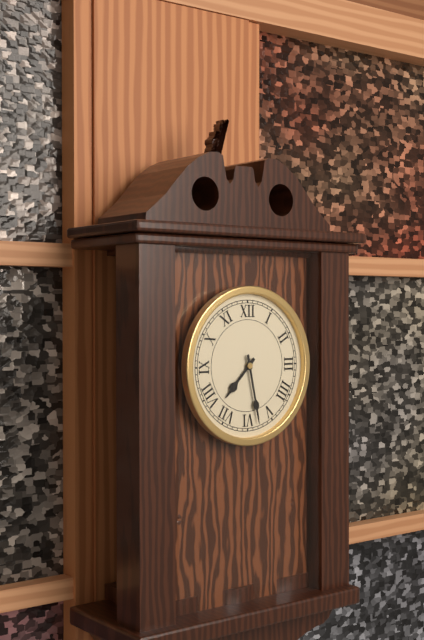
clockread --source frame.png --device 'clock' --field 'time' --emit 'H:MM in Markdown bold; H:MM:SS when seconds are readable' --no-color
**7:28**
